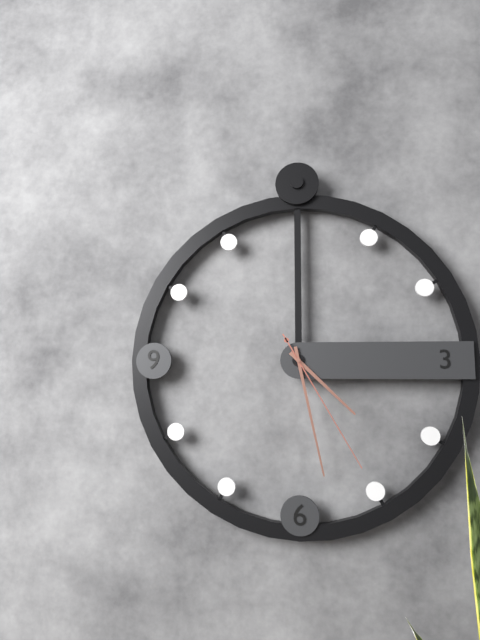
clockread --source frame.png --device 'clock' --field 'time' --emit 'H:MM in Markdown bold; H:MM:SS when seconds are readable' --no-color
**4:28:25**
